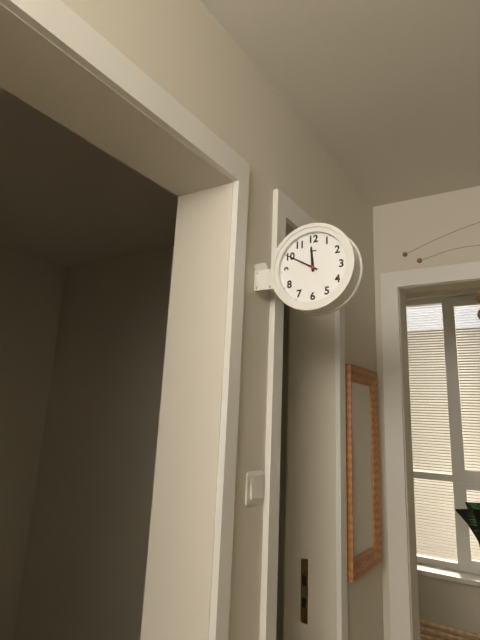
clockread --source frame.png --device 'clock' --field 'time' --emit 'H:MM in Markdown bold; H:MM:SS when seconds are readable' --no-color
**11:50**
